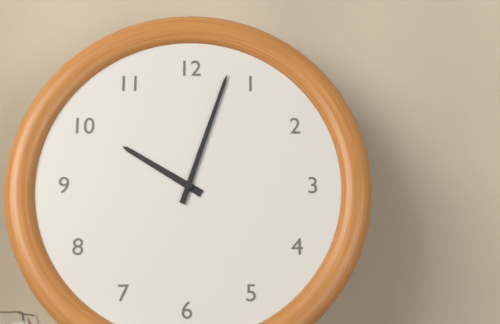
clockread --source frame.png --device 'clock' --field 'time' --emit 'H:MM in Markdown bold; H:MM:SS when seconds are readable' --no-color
**10:03**
